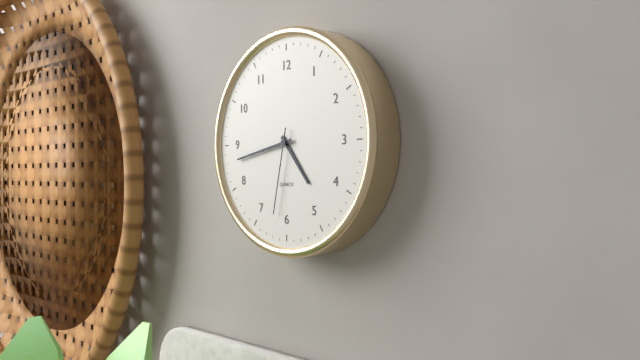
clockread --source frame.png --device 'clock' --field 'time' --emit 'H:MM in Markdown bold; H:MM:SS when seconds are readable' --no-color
**4:43:32**
